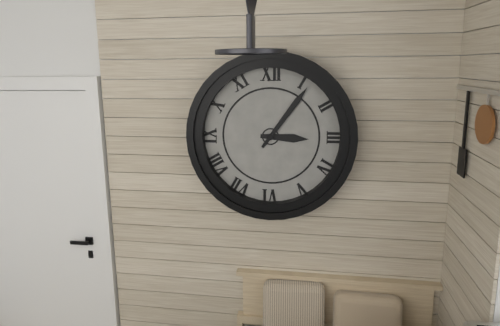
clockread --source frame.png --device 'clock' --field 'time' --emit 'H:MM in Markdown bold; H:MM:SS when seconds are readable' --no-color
**3:06**
